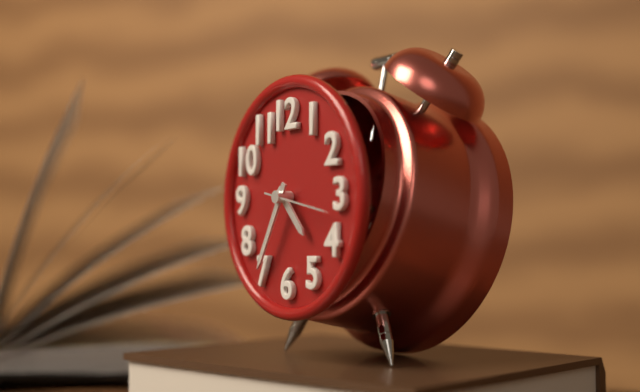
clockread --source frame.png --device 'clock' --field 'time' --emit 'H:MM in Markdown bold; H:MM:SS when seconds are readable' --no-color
**4:35:17**
